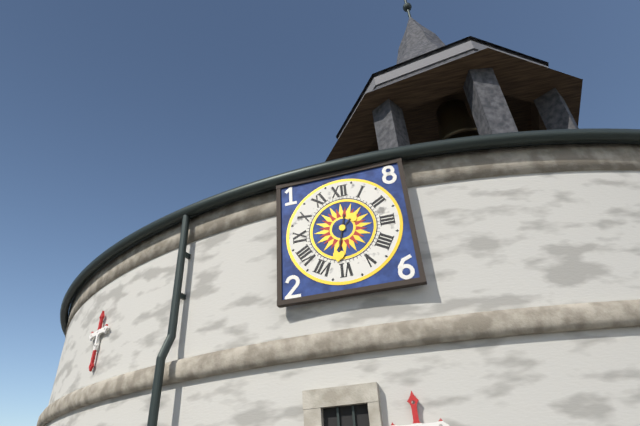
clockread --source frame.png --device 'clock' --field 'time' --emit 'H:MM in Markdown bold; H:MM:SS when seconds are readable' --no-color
**1:32**
